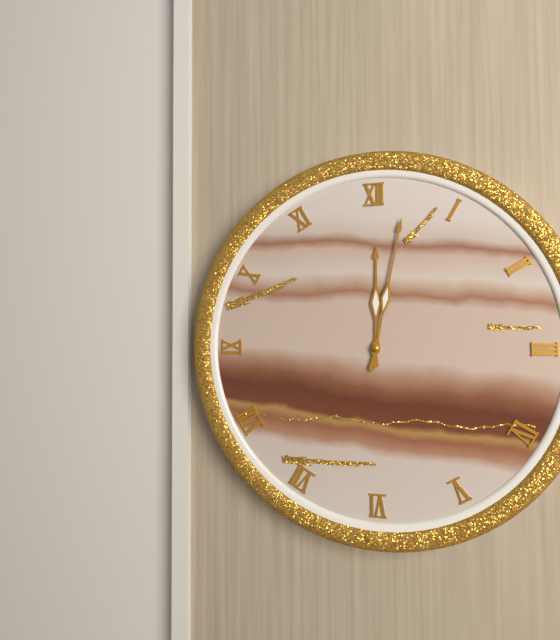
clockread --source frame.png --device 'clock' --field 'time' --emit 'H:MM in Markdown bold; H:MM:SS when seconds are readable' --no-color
**12:02**
